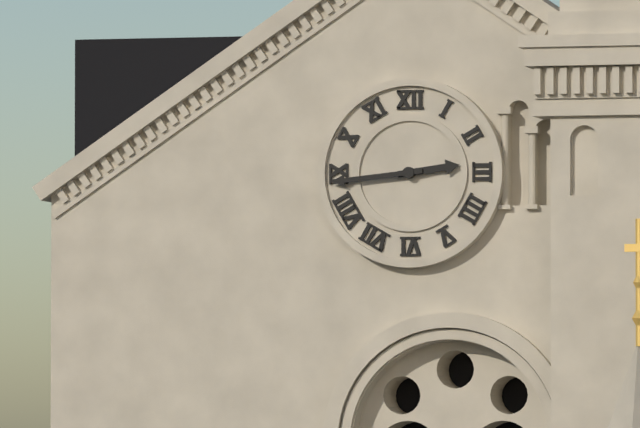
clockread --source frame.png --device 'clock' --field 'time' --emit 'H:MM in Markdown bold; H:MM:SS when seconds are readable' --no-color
**2:44**
